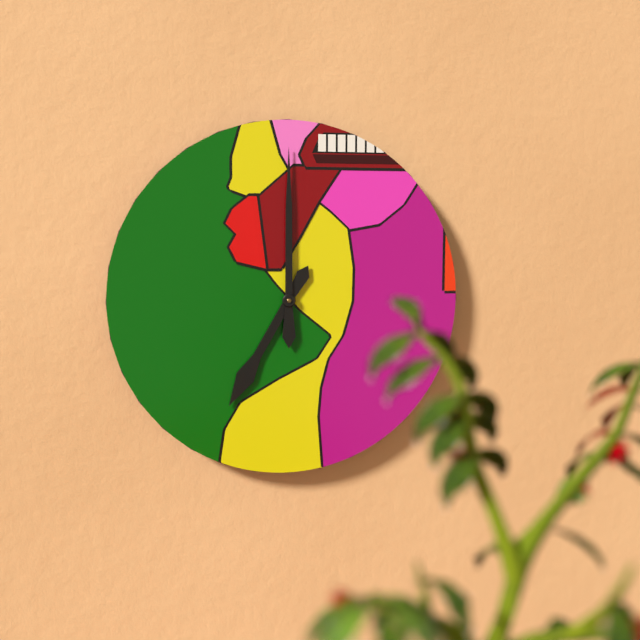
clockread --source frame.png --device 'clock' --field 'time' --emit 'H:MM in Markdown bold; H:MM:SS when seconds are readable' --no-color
**7:00**
